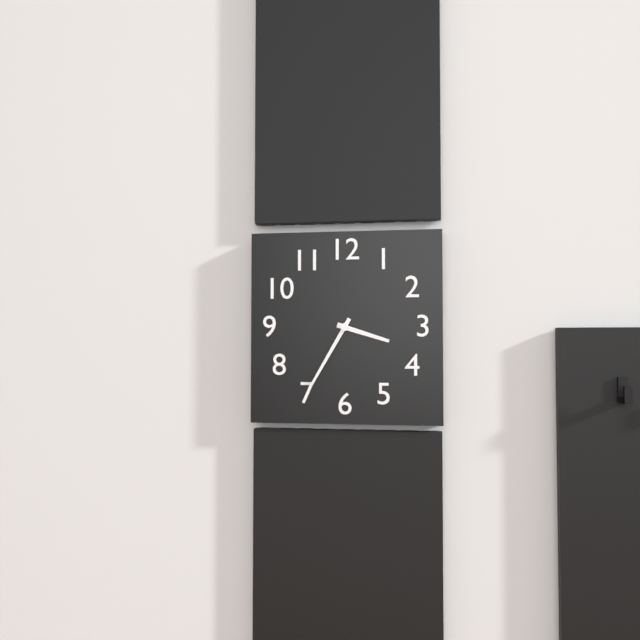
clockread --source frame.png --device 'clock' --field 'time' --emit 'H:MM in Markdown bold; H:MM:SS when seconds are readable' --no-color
**3:35**
